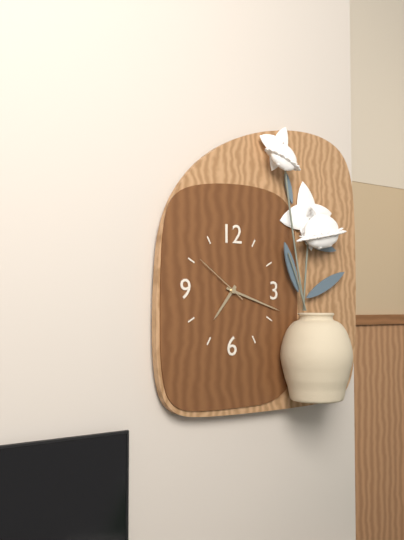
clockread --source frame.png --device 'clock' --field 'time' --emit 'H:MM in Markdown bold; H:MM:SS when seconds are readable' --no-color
**7:18**
